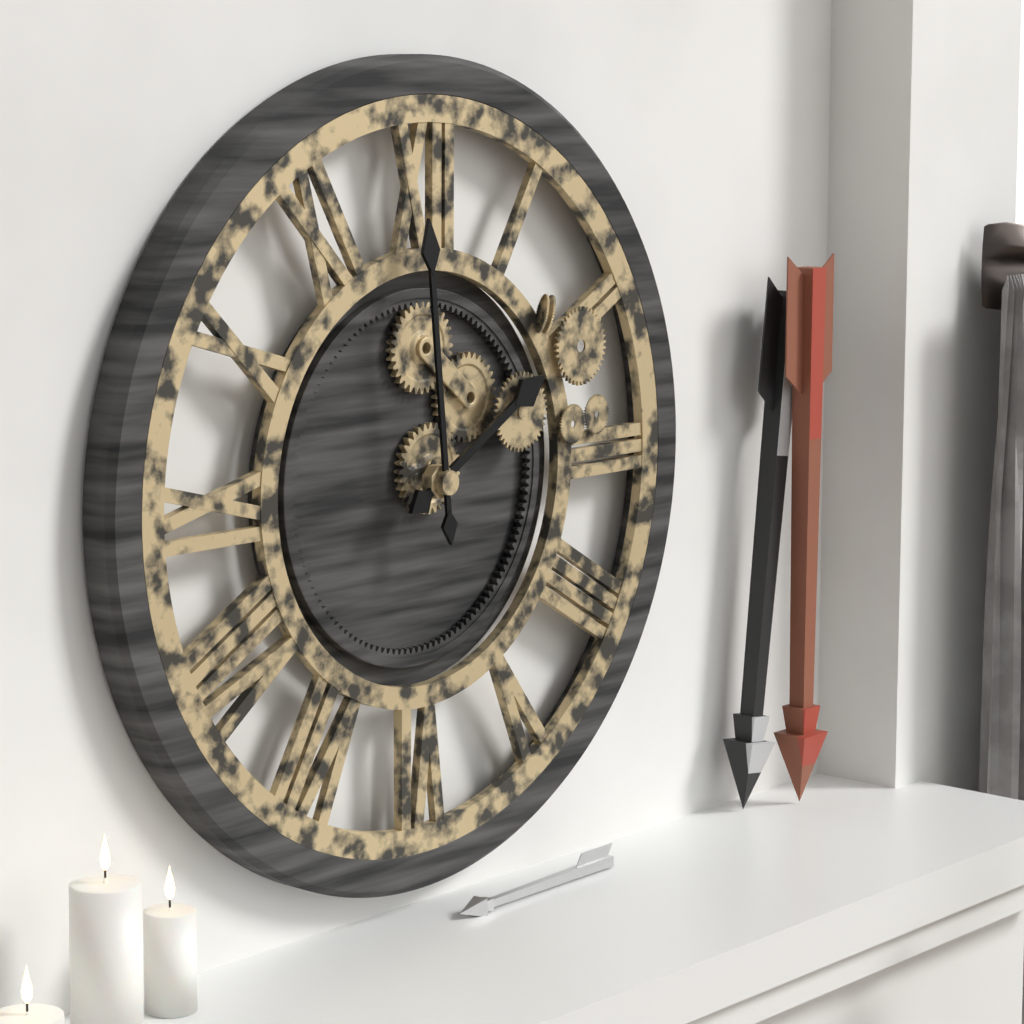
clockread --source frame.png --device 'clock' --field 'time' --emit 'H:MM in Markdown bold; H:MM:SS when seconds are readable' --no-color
**1:59**
